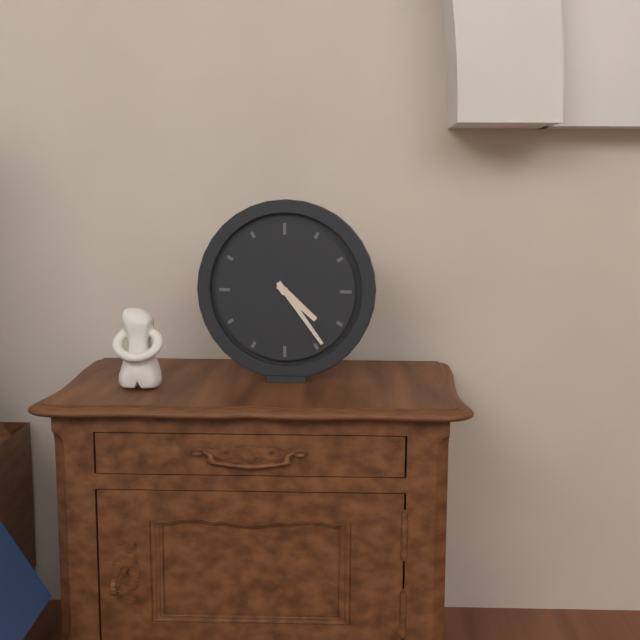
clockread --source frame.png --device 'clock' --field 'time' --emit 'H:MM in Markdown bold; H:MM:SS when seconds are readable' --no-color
**4:24**
